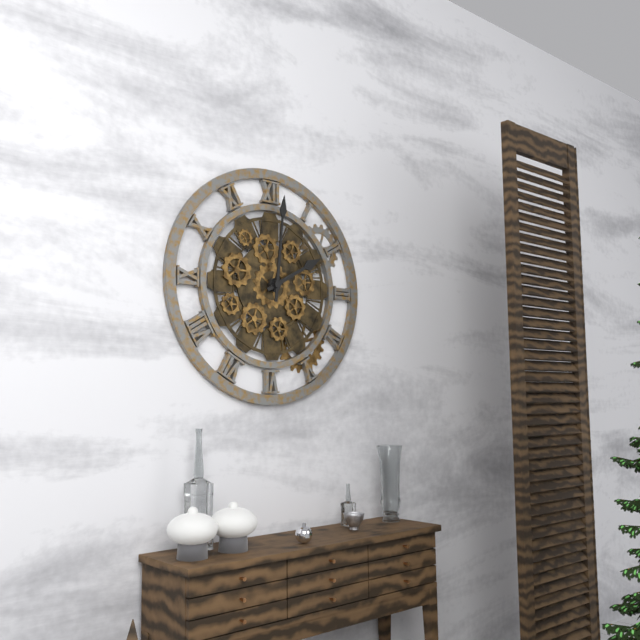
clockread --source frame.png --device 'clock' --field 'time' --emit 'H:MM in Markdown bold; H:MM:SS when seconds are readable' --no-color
**2:01**
